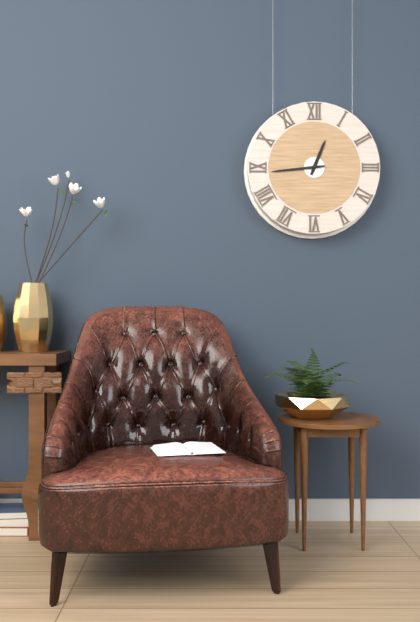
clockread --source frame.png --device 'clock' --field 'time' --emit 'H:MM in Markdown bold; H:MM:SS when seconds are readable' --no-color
**12:44**
